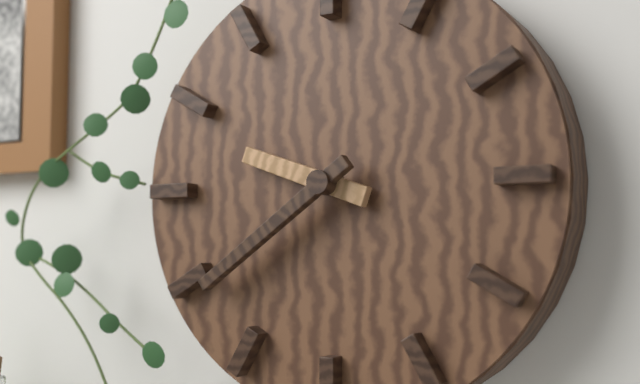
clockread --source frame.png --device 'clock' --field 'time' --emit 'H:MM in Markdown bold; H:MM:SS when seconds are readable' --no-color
**9:39**
